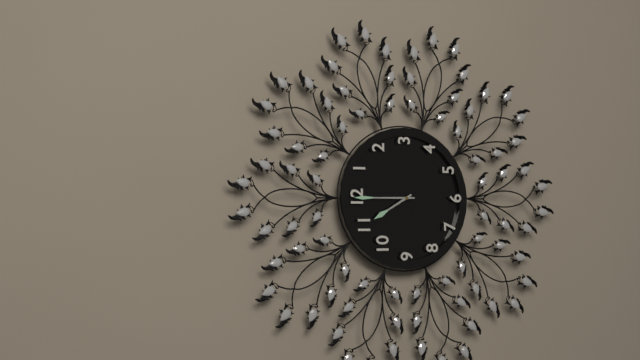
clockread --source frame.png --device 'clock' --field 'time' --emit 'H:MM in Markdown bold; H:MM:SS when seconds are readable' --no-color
**11:00**
